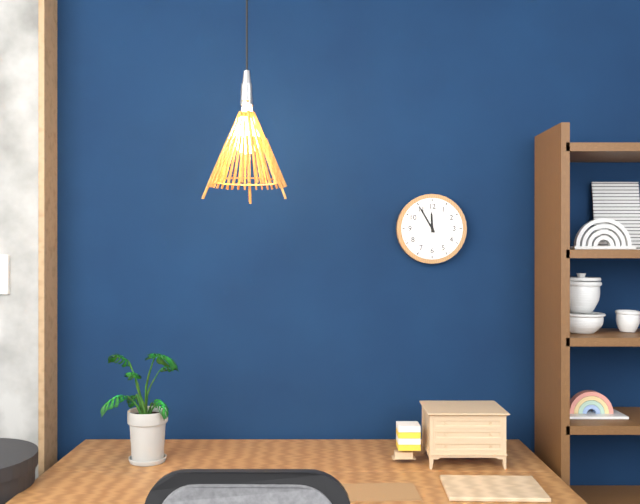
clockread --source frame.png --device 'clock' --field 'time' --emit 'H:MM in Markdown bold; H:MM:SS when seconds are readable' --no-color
**11:55**
